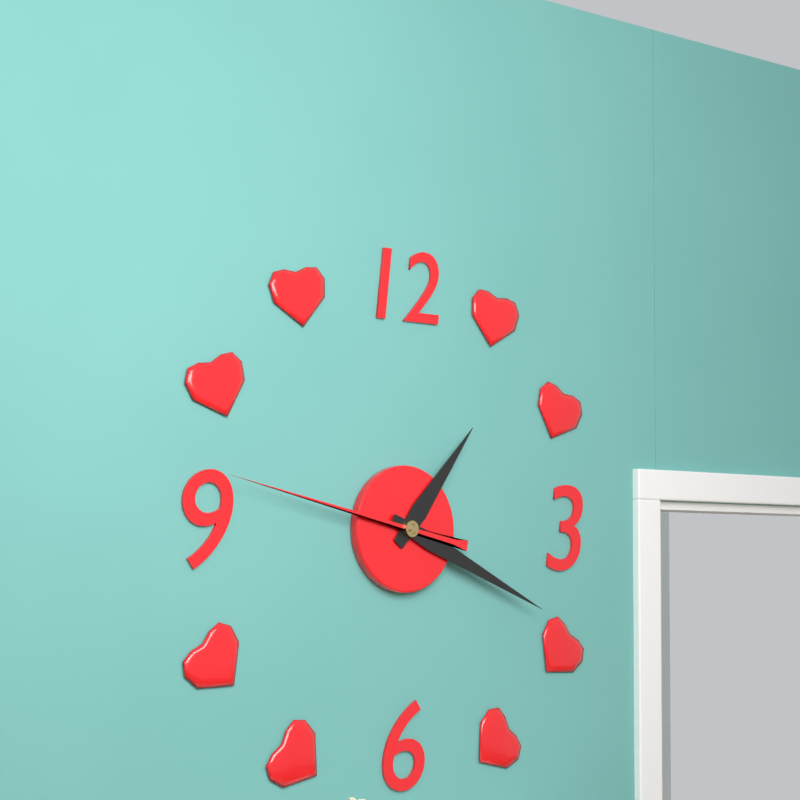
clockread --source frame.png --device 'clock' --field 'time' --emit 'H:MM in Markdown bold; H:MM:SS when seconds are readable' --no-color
**1:19:47**
